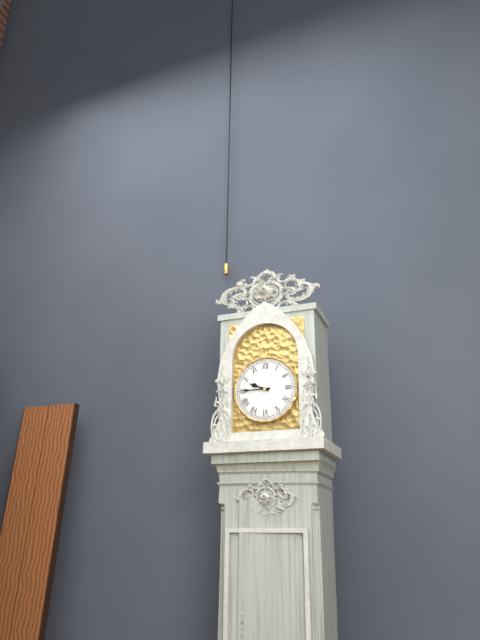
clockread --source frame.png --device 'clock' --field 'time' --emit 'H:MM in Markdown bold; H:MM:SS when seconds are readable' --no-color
**9:45**
